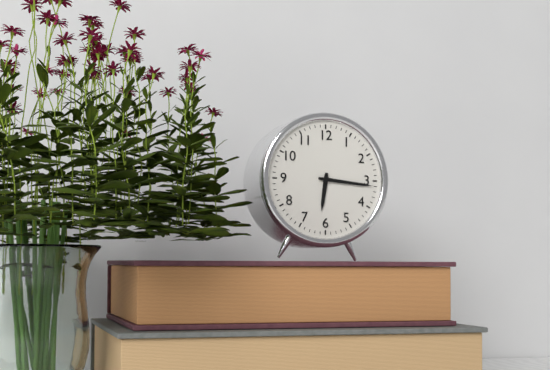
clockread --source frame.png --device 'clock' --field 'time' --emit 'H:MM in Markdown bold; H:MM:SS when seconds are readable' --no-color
**6:16**
